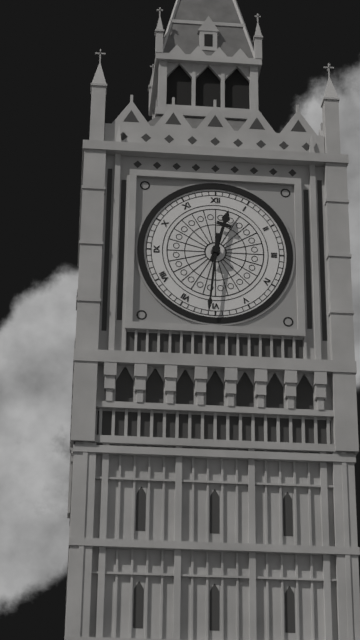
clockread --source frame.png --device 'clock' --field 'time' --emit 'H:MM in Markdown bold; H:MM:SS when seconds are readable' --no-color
**12:31**
